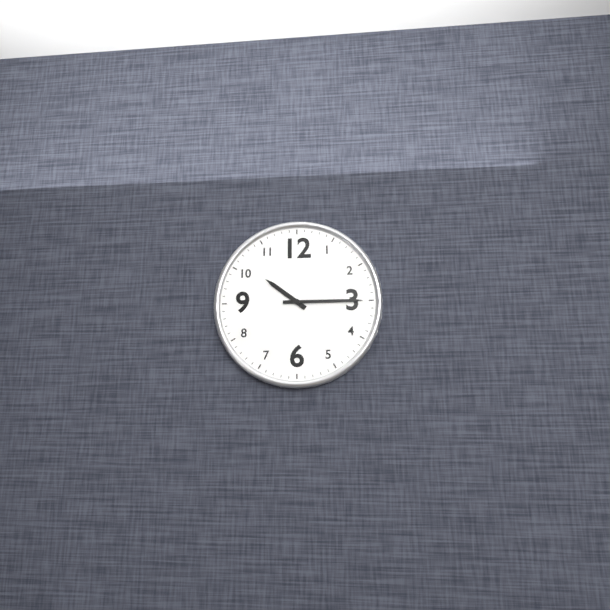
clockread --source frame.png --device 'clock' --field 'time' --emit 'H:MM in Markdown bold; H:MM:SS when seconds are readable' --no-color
**10:15**
